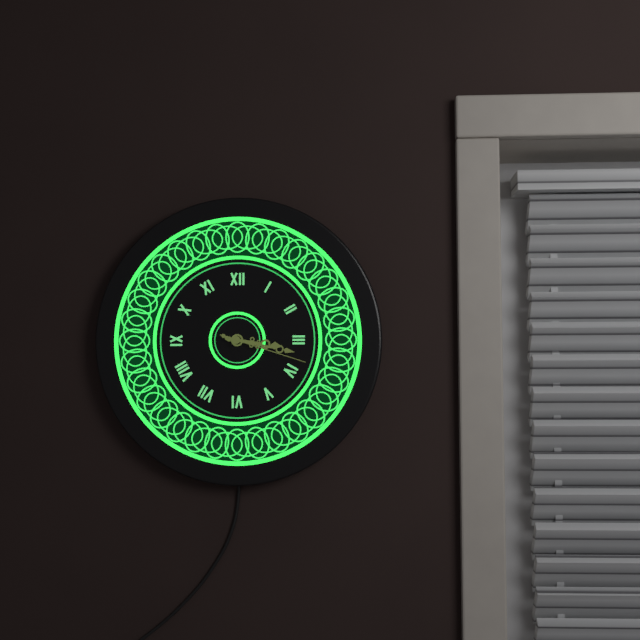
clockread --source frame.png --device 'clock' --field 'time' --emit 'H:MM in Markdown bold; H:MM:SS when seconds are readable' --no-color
**3:17:18**
